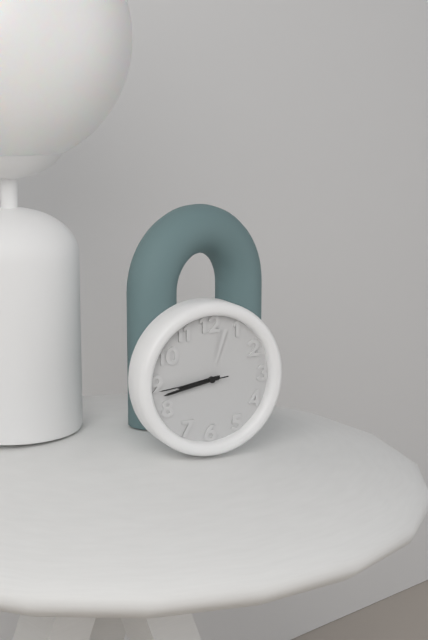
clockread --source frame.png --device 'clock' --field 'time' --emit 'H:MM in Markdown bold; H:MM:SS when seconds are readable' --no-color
**8:43:44**
